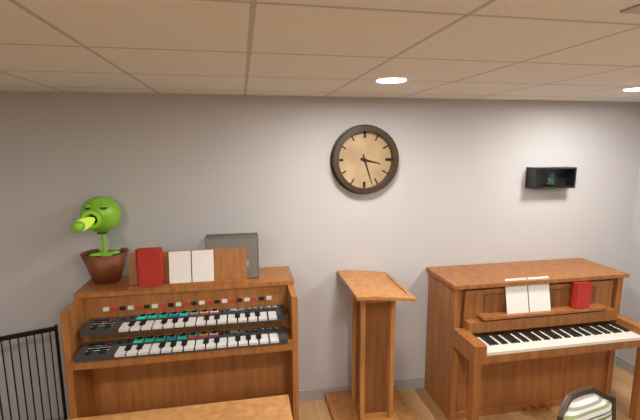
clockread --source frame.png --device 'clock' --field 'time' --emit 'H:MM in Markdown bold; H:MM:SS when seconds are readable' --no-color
**3:27**
